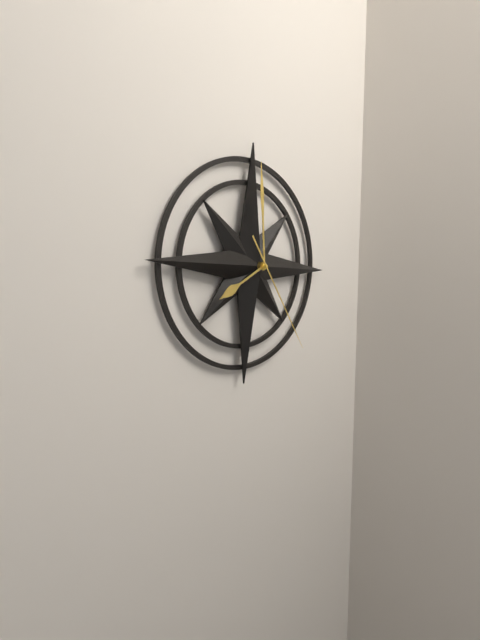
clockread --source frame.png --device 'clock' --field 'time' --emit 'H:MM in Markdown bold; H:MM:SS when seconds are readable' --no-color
**7:59:24**
